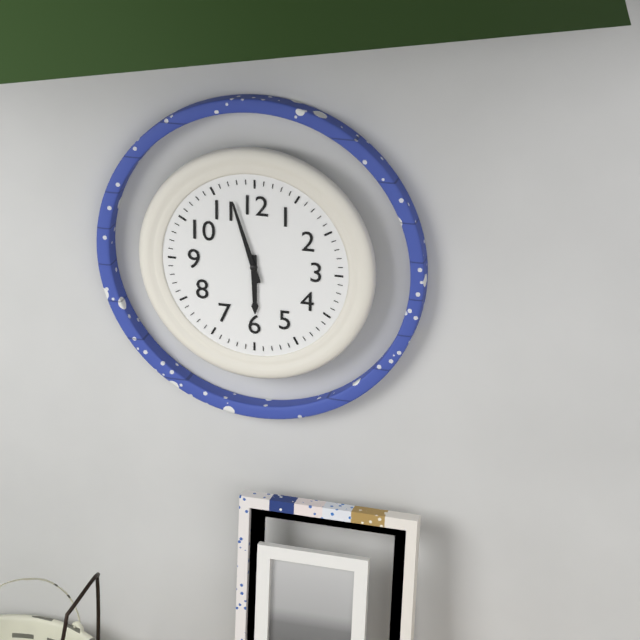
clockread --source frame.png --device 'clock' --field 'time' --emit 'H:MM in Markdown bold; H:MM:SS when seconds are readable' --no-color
**5:57**
